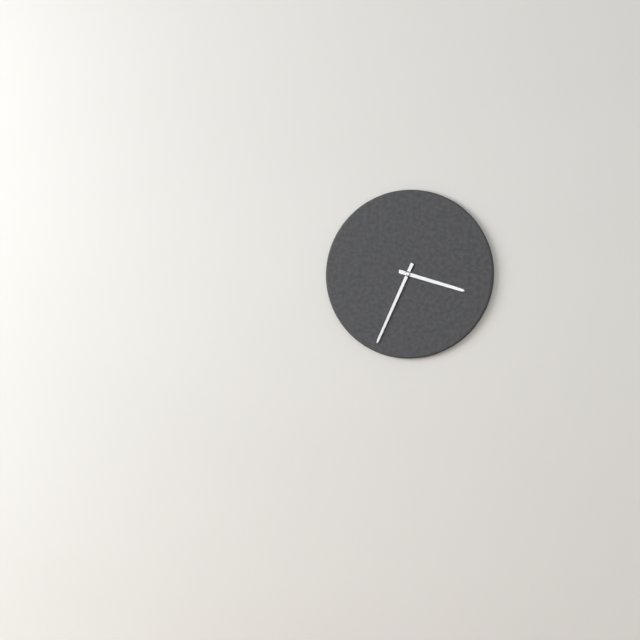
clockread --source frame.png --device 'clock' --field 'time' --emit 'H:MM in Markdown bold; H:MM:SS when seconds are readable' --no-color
**3:34**
